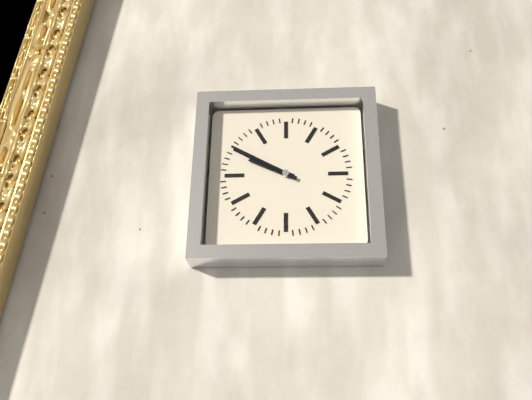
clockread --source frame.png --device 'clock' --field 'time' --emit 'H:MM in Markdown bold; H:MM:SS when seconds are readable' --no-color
**9:50**
